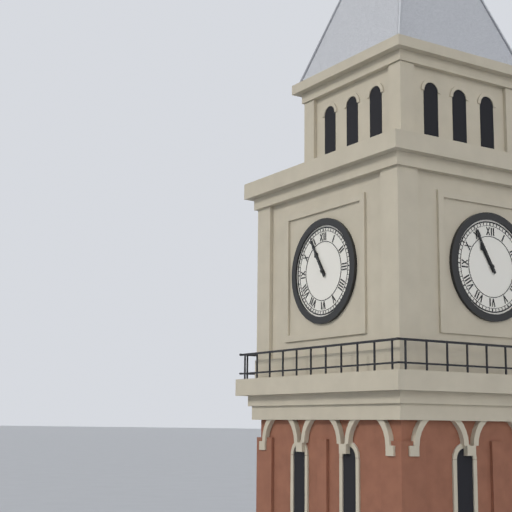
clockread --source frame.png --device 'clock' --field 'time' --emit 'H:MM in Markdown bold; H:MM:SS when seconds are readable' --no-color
**10:55**
